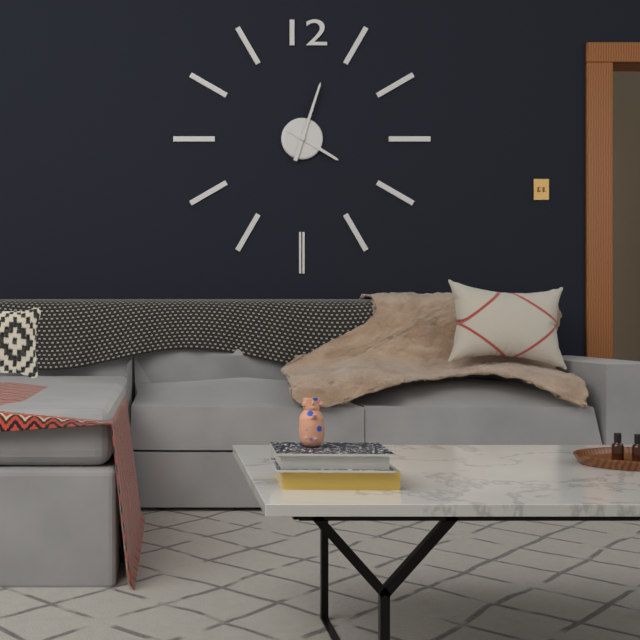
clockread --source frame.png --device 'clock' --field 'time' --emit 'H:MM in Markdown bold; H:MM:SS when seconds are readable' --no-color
**4:03**
